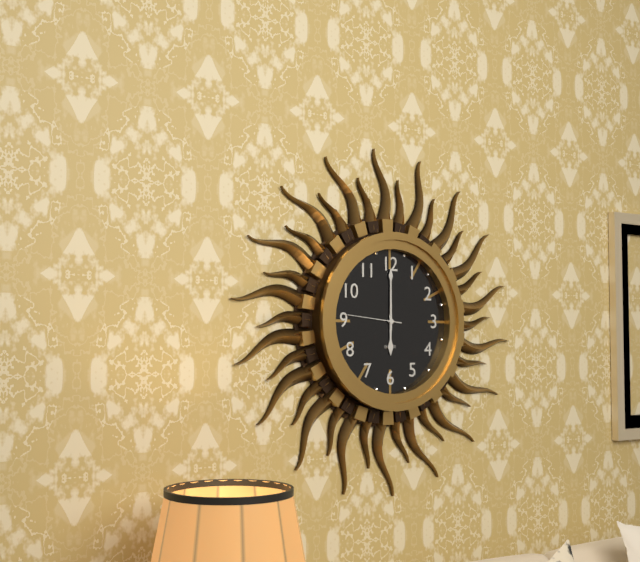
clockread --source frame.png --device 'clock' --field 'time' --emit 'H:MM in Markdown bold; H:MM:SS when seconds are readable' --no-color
**6:00:46**
